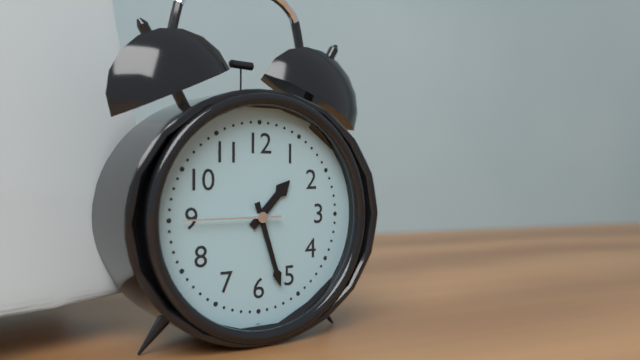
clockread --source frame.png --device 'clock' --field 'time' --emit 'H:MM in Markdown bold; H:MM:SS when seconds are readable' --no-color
**1:27:45**
